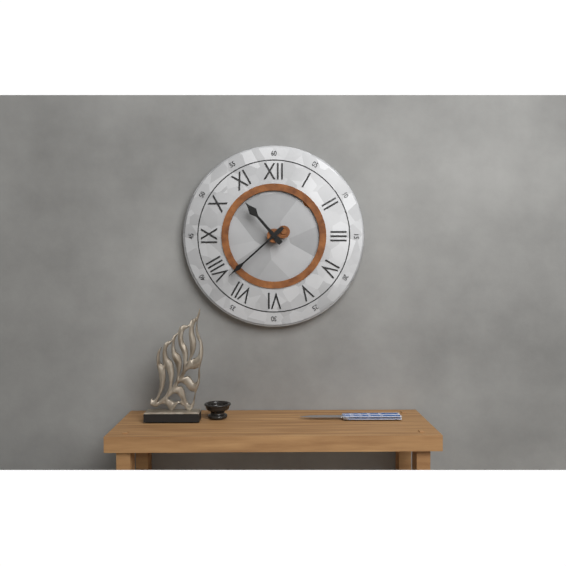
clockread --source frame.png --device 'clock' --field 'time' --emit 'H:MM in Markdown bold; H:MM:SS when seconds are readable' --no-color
**10:38**
